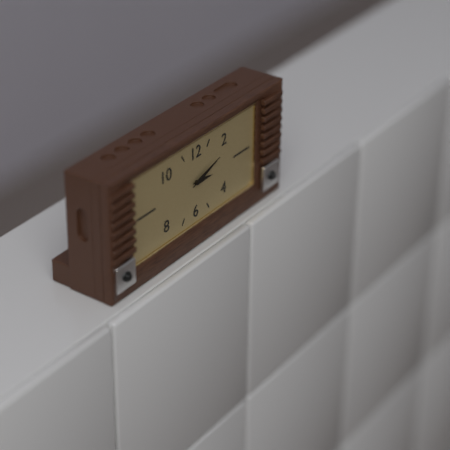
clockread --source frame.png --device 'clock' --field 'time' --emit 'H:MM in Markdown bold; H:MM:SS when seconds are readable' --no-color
**3:12**
